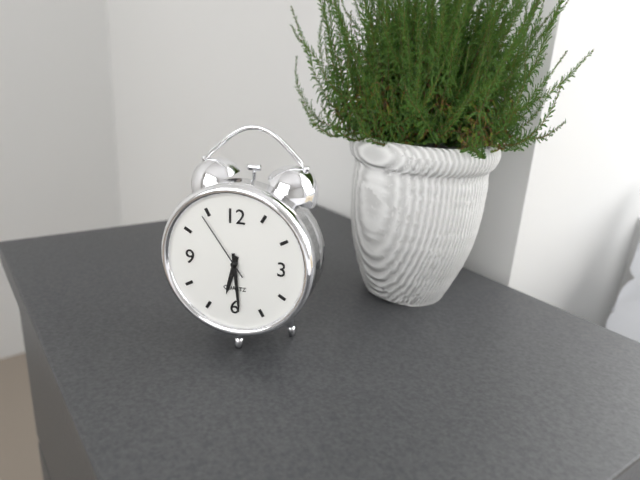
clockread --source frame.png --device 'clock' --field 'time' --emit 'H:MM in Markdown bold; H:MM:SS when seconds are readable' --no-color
**6:29:54**
